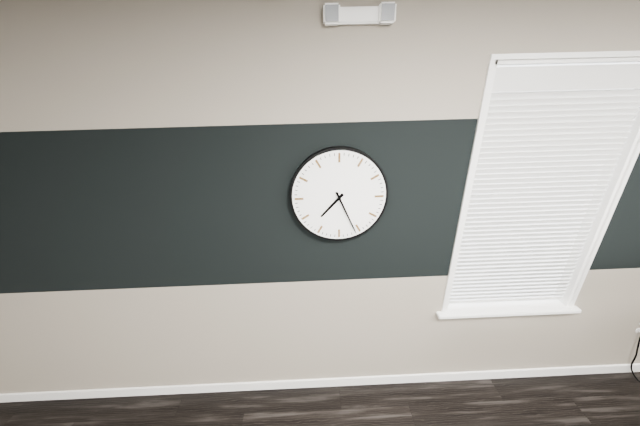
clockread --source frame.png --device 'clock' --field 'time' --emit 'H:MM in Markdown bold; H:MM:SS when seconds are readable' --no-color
**7:26**
